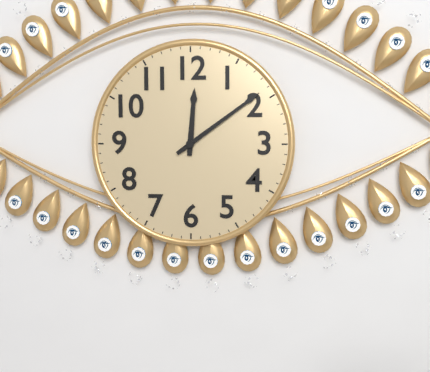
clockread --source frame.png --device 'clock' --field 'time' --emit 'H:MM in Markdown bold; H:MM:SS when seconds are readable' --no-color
**12:09**
